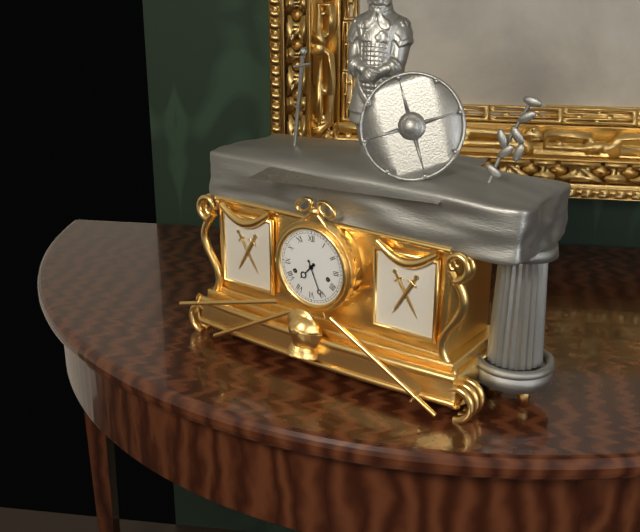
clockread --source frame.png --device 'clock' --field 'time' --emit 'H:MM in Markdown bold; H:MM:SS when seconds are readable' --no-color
**7:26**
